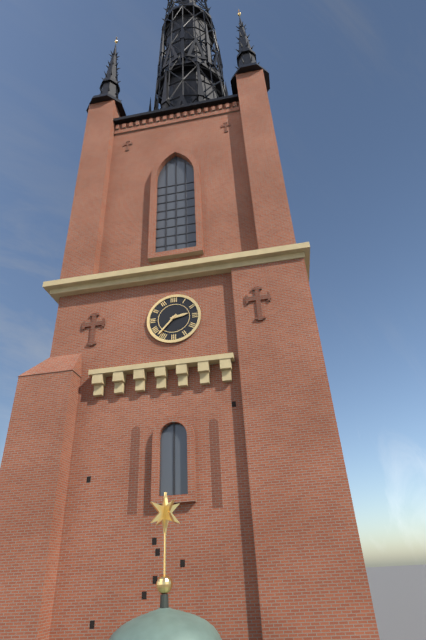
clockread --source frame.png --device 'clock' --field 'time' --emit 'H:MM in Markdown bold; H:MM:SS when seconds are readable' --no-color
**2:37**
